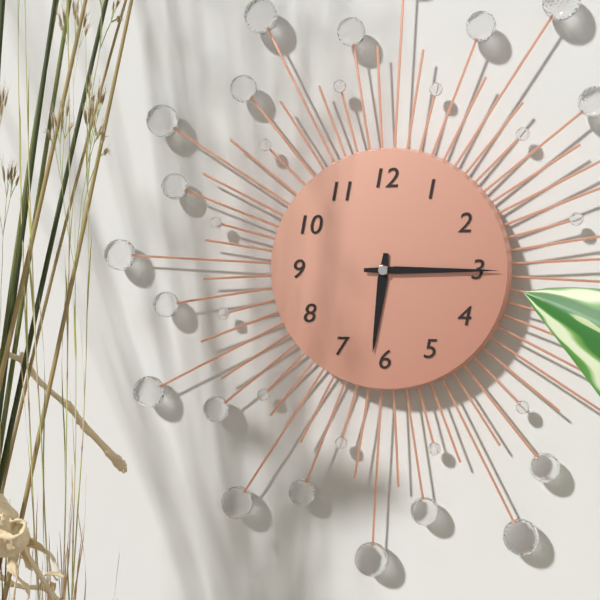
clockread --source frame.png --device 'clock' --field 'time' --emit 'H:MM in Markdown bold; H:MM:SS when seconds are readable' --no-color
**6:15**
